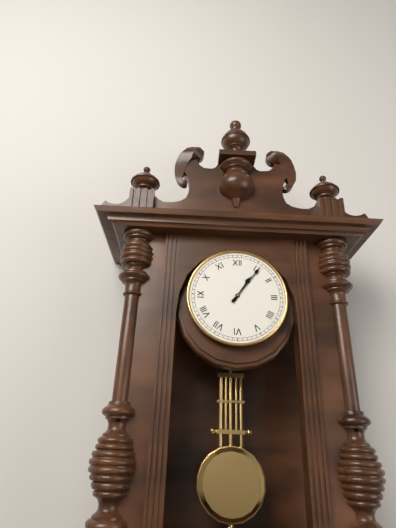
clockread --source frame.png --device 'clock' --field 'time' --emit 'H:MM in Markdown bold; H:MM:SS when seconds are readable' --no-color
**1:06**
